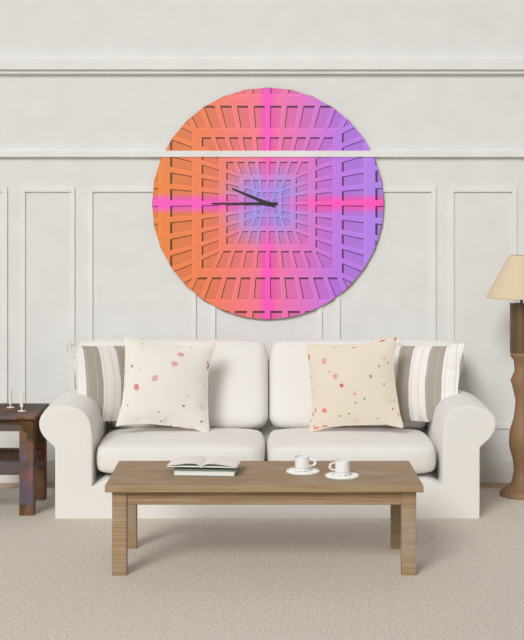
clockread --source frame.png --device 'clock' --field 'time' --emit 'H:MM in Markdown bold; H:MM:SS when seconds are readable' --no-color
**9:45**
